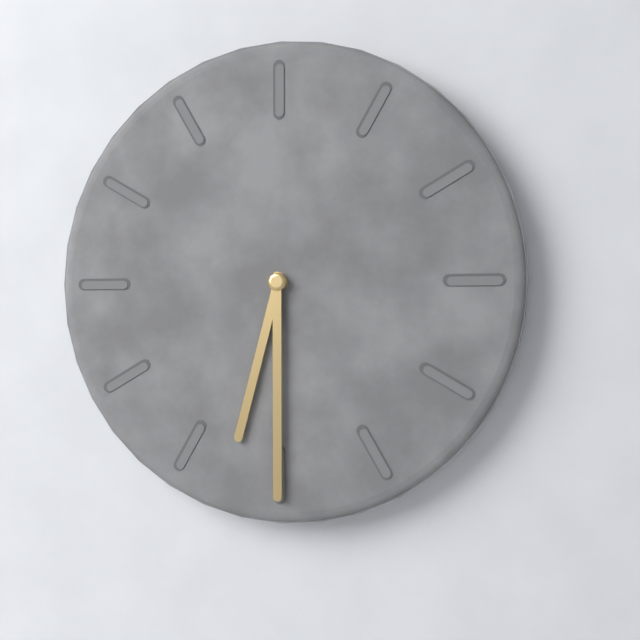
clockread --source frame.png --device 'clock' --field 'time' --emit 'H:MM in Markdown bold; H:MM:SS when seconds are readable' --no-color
**6:30**
